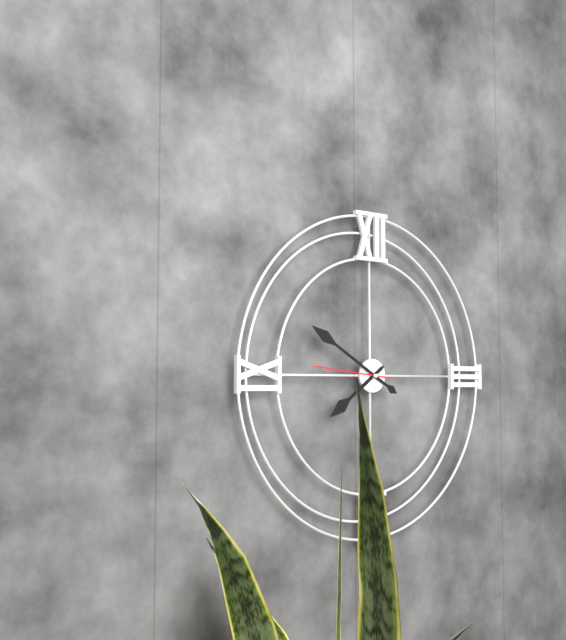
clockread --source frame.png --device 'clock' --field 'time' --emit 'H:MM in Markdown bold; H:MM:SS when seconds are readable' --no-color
**7:50:46**
